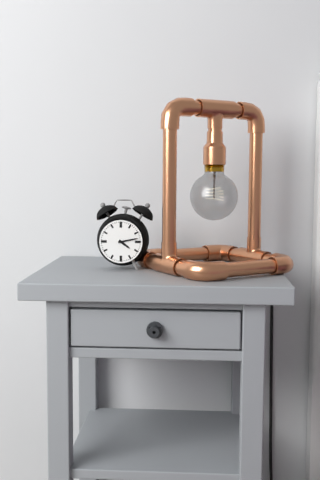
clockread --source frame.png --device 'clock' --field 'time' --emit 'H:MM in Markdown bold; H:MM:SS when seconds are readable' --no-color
**4:13**
